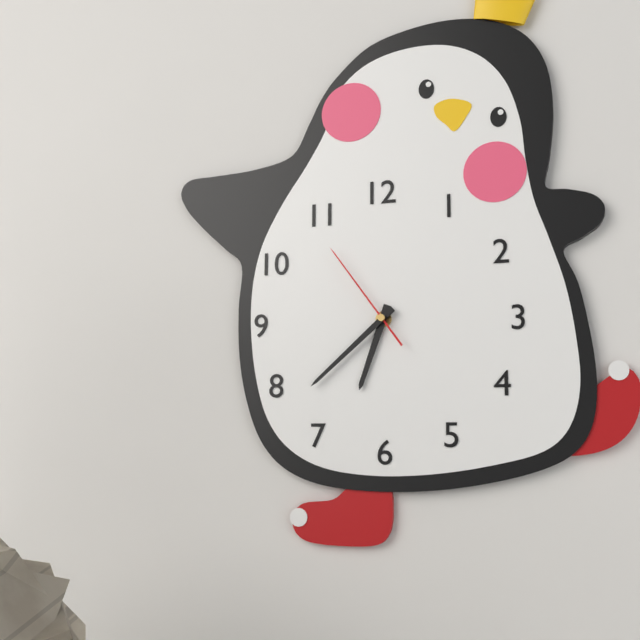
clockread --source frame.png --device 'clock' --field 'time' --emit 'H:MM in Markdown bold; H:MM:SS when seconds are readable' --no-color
**6:38:54**
